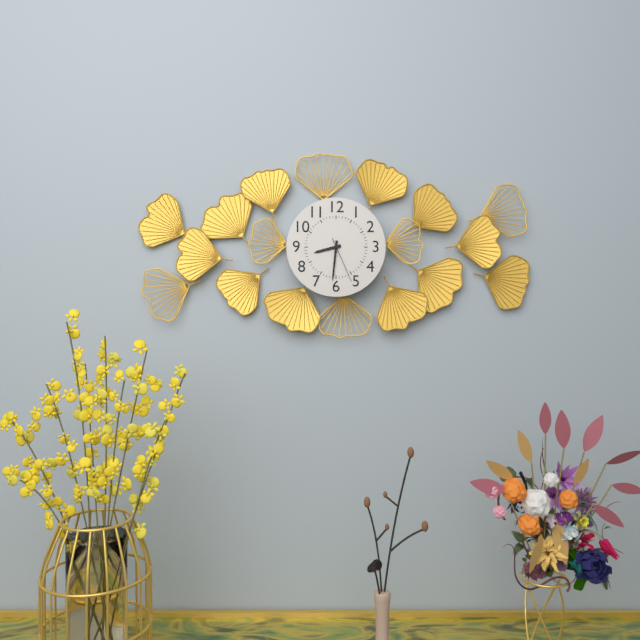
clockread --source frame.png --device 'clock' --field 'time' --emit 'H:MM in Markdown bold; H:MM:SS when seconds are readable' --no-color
**8:31**
